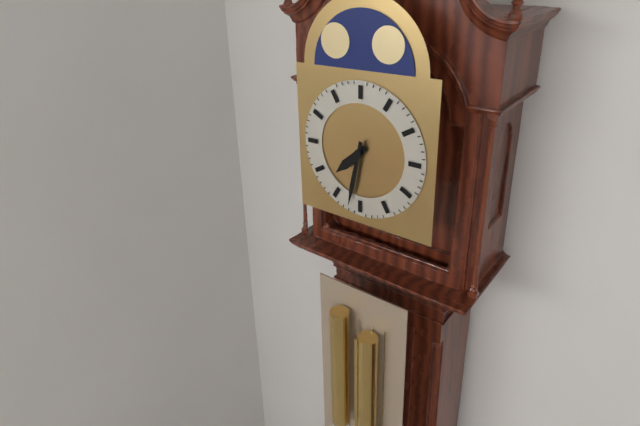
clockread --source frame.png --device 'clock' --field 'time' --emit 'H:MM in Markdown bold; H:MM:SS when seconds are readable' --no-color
**7:32**
